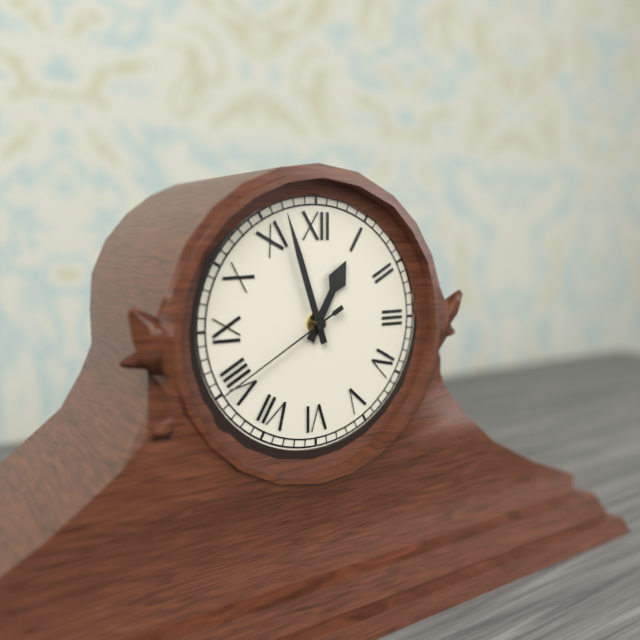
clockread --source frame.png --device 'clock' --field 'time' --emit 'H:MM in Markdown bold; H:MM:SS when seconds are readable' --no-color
**12:57:40**
